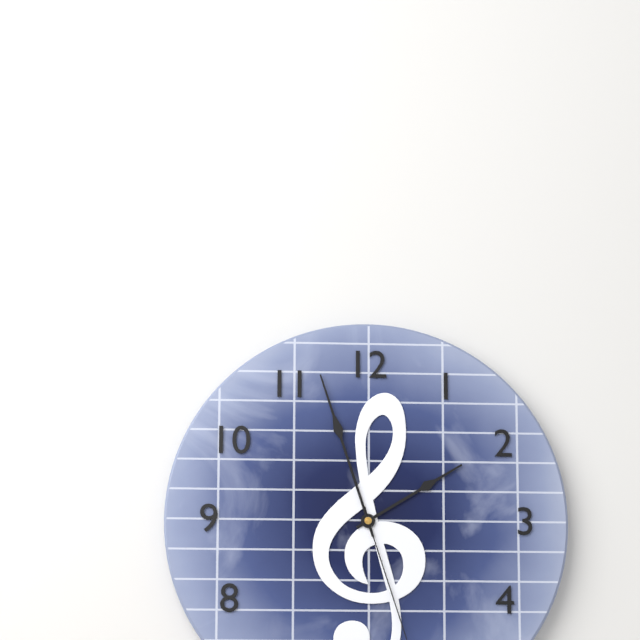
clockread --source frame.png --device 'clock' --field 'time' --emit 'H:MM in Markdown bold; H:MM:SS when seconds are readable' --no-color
**1:57**
